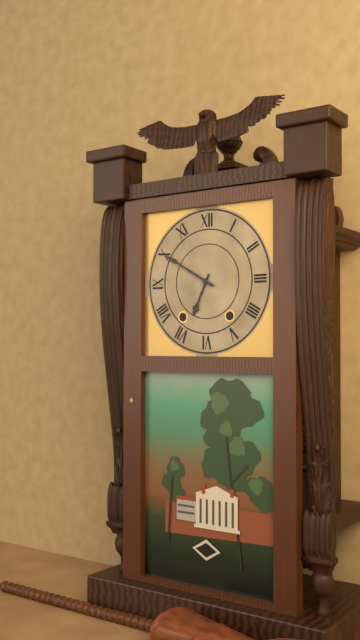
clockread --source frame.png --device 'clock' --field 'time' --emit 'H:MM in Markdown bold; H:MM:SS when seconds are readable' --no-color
**6:50**
